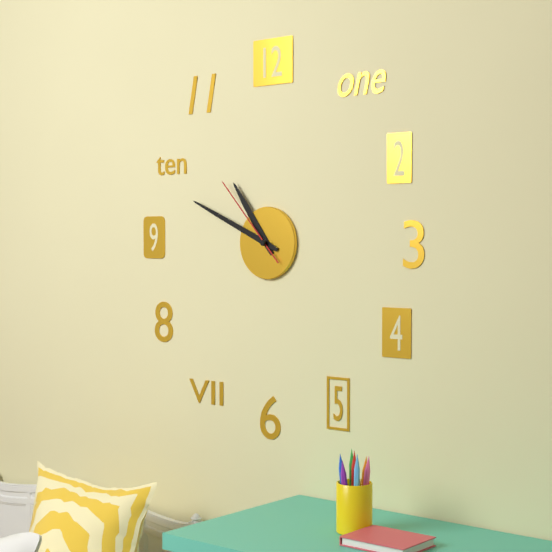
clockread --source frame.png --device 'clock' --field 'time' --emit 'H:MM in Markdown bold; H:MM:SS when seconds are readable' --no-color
**10:49:53**
